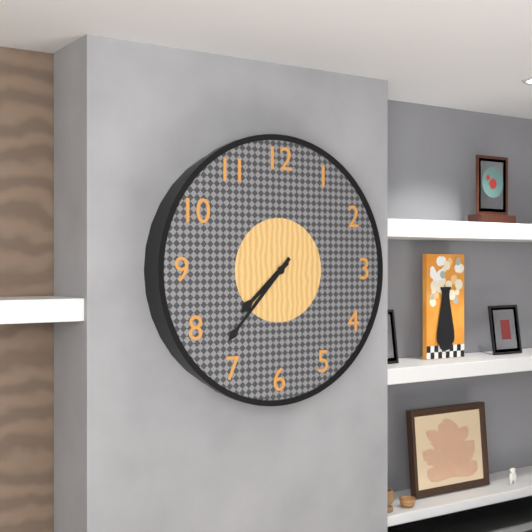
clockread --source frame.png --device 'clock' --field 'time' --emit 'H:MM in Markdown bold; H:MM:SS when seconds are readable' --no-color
**7:37**
